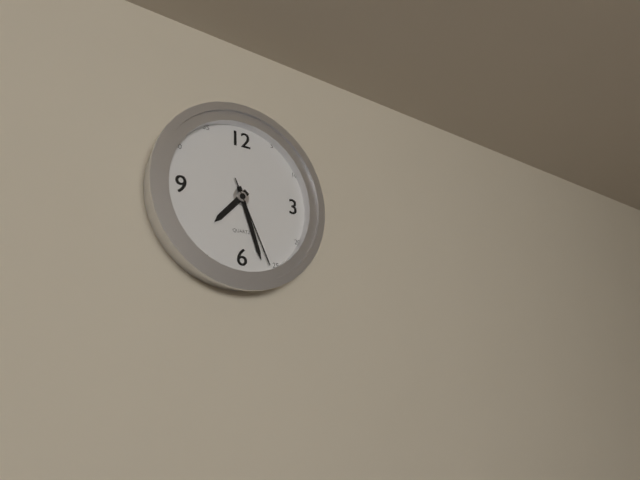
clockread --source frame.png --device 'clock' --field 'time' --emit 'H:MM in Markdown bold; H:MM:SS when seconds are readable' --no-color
**7:27:26**
